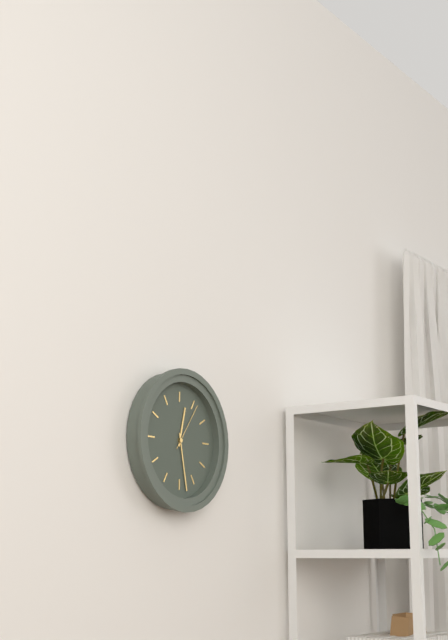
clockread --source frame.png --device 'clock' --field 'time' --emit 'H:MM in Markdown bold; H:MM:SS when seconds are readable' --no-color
**12:28**
